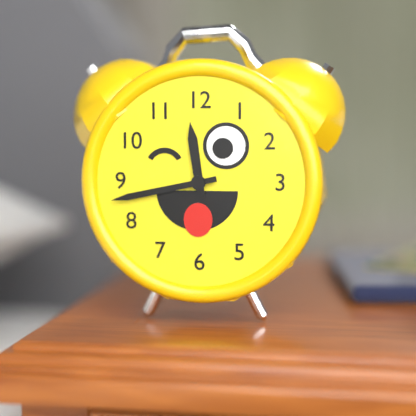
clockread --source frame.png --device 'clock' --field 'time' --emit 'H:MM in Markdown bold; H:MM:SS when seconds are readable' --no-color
**11:43**
